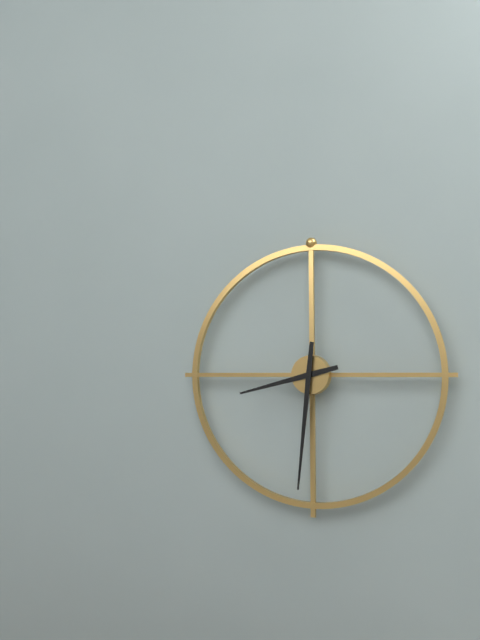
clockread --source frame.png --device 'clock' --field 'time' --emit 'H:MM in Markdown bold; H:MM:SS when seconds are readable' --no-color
**8:31**
